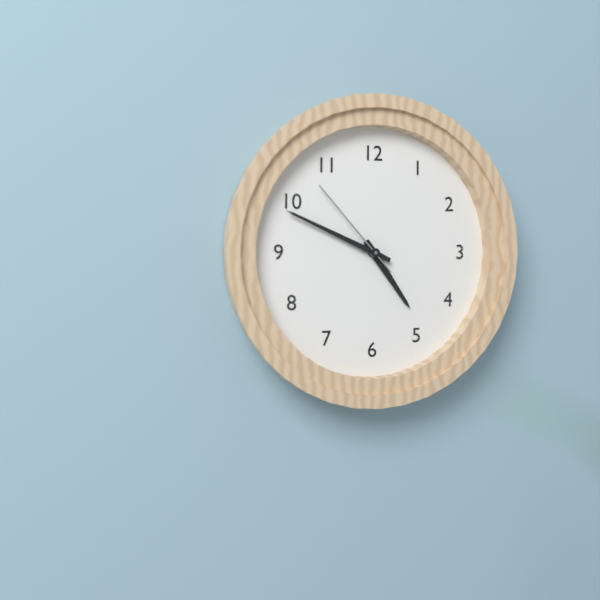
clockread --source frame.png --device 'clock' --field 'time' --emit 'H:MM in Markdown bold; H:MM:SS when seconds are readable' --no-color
**4:49:53**
